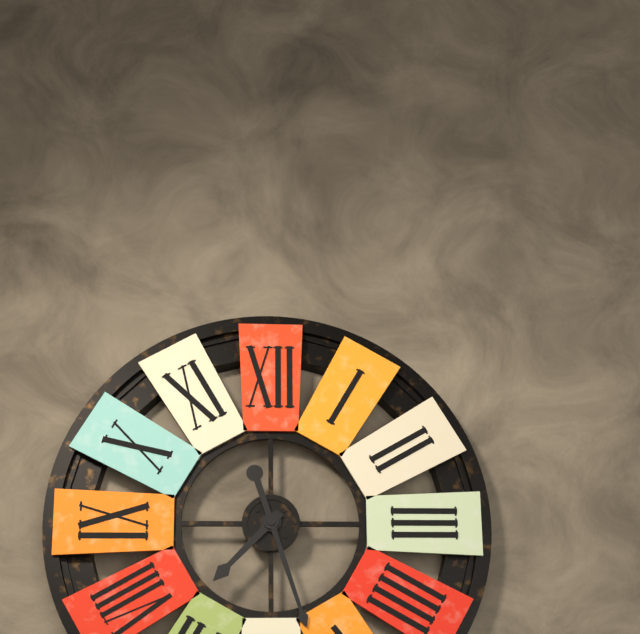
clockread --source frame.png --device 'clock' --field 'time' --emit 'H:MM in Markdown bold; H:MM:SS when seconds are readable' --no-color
**7:27**
